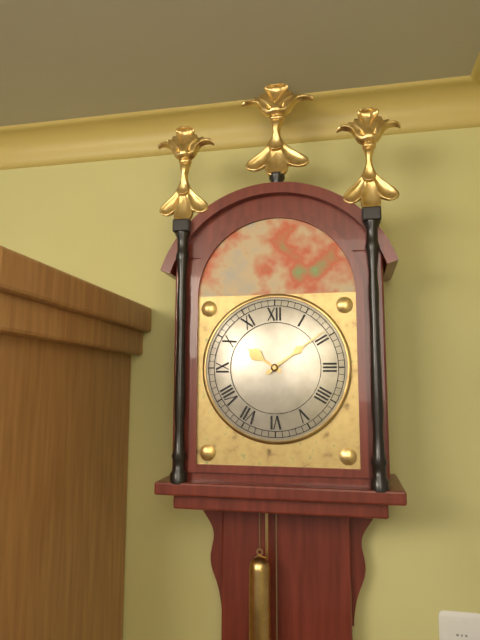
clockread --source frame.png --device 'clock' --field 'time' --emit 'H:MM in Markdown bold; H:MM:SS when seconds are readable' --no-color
**10:09**
